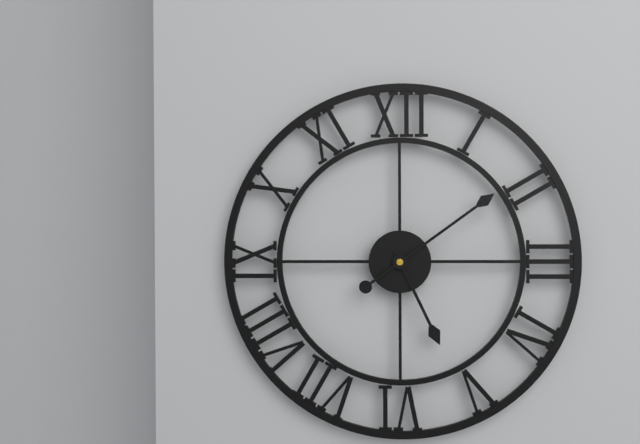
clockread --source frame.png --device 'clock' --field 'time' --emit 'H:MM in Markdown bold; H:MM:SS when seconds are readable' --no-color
**5:09**
